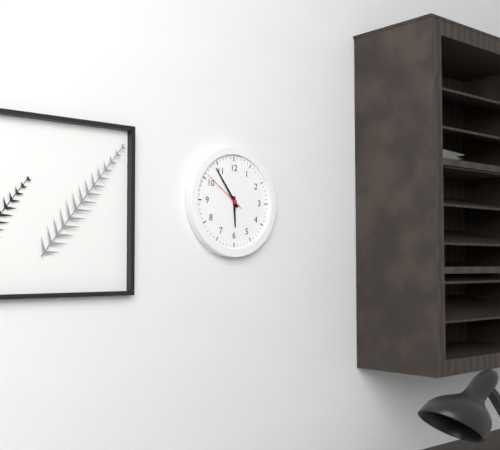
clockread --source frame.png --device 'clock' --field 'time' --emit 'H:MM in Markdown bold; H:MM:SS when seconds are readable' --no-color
**5:54**
